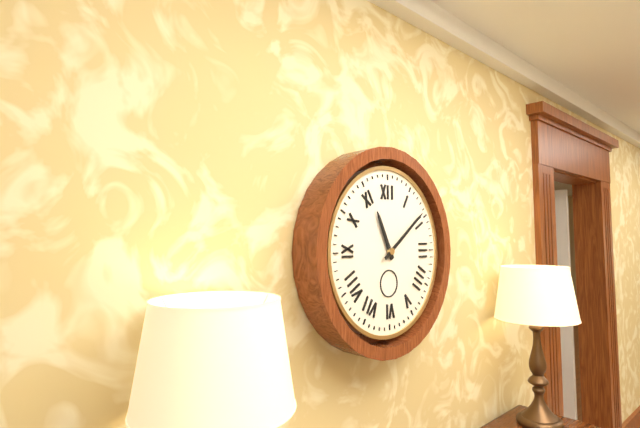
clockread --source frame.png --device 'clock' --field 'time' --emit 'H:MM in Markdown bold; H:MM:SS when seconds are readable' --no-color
**11:09**
